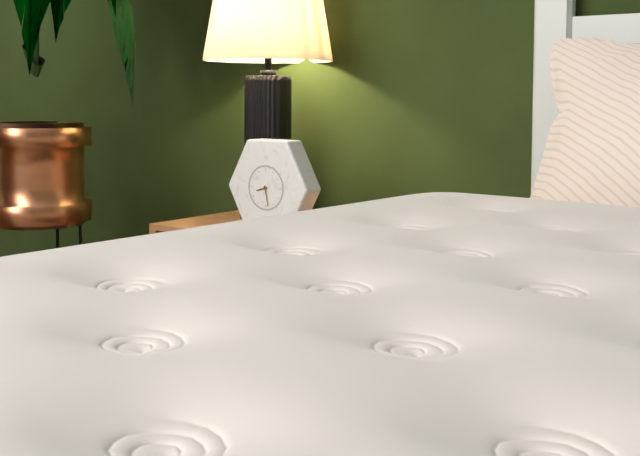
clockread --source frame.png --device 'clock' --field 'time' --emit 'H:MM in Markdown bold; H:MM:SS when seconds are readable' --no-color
**8:28**
